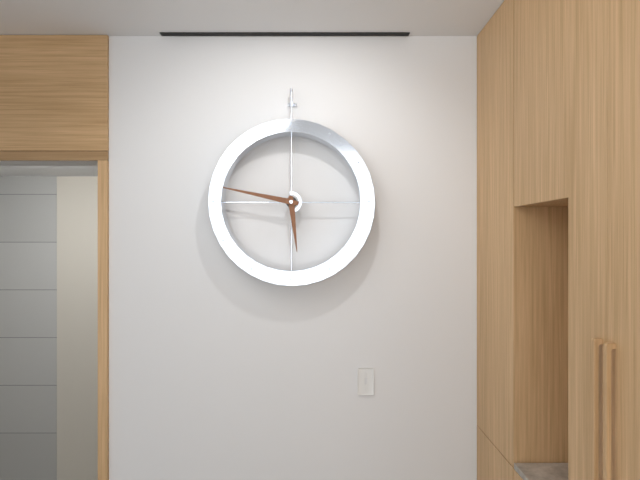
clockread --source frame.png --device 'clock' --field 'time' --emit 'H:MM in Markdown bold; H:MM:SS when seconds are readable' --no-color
**5:47**
